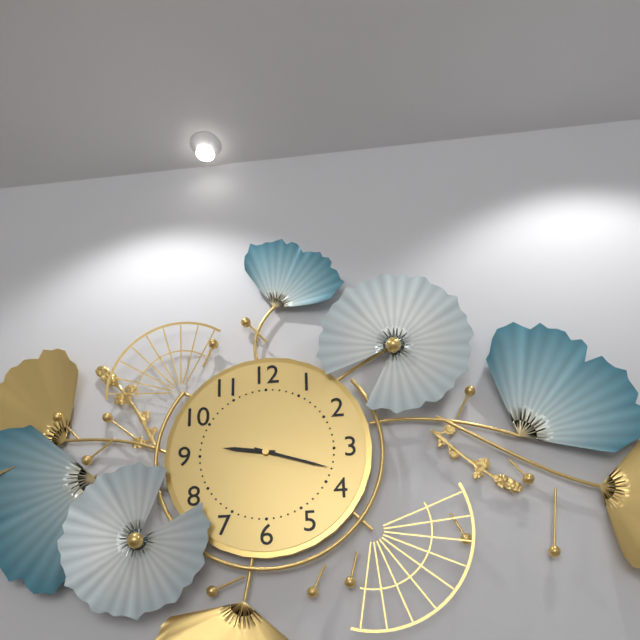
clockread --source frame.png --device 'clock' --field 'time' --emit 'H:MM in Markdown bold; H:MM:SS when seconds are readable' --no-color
**9:18**
